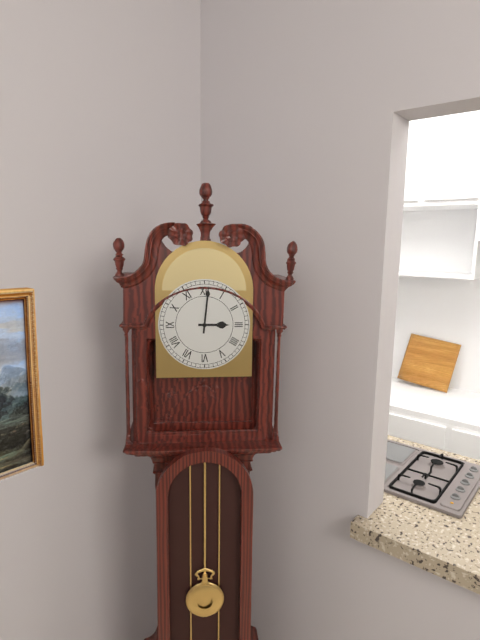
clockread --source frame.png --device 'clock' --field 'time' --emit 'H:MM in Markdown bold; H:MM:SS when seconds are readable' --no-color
**3:01**
